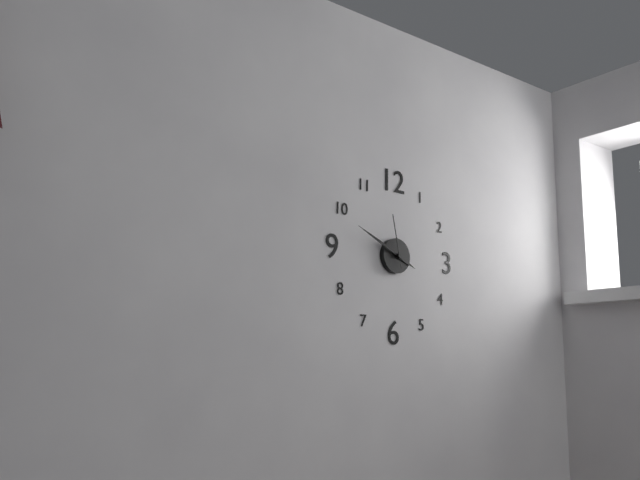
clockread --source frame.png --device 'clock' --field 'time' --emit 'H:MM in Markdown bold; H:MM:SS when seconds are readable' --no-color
**3:49:58**
